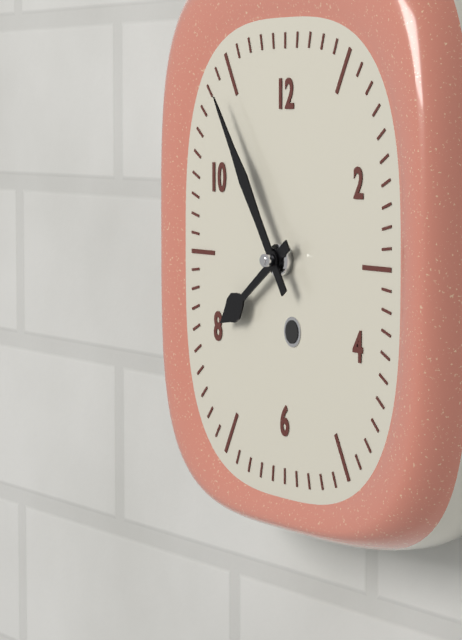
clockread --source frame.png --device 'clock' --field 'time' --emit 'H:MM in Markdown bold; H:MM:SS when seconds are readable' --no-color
**7:54**
